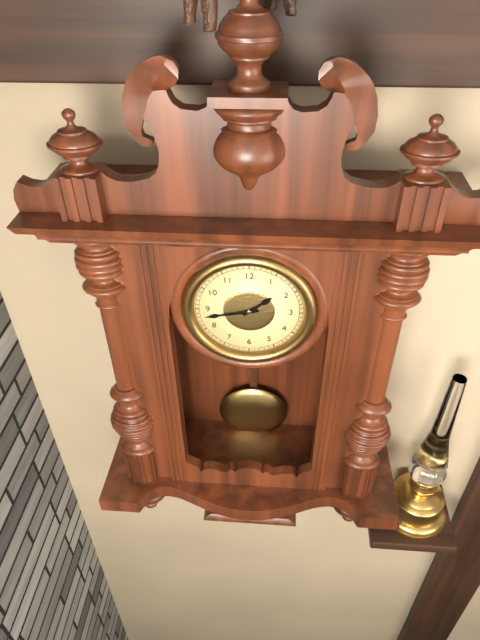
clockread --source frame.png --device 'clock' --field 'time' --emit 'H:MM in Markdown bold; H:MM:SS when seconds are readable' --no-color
**1:43**
